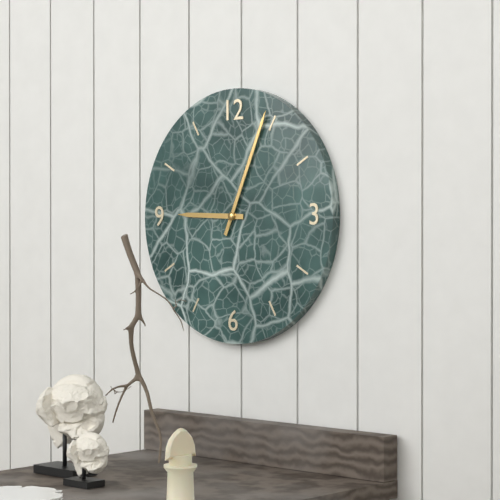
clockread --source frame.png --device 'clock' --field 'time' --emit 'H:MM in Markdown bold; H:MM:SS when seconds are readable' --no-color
**9:04**
